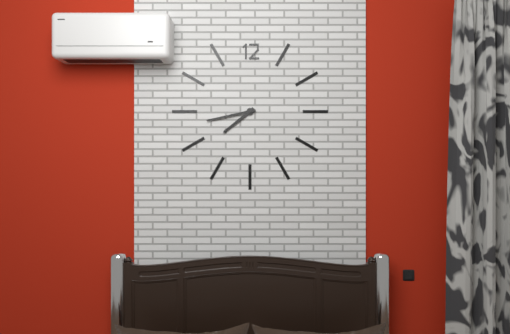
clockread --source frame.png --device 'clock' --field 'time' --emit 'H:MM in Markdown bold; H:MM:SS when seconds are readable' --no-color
**7:43**
